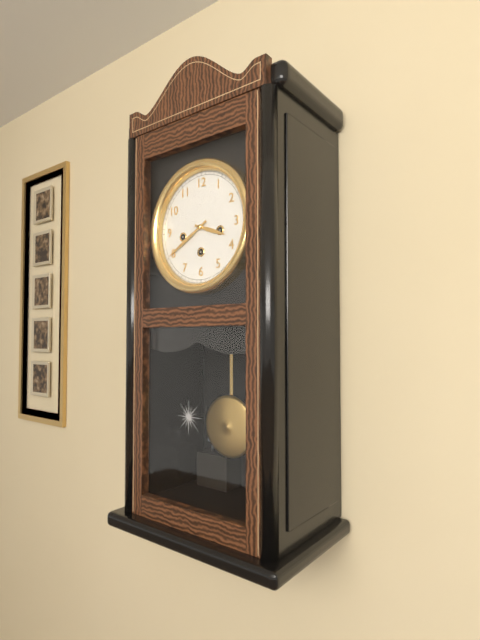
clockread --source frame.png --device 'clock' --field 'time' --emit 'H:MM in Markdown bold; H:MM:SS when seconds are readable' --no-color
**3:40**
